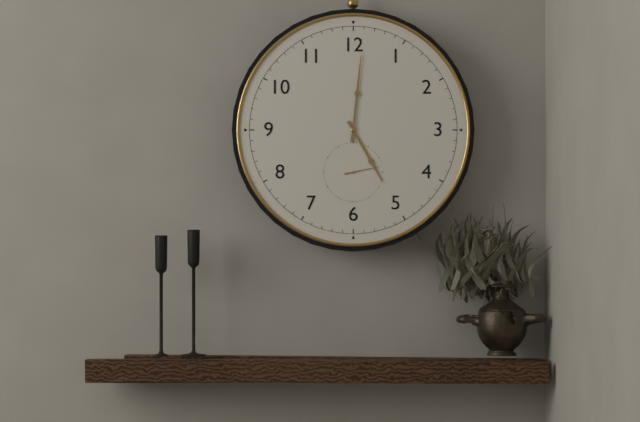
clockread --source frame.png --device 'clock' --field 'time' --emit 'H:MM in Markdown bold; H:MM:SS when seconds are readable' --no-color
**5:01**
